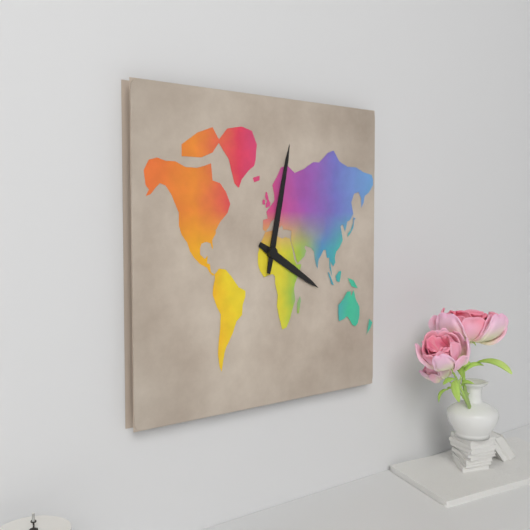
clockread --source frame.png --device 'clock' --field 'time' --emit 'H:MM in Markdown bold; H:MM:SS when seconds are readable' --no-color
**4:02**
